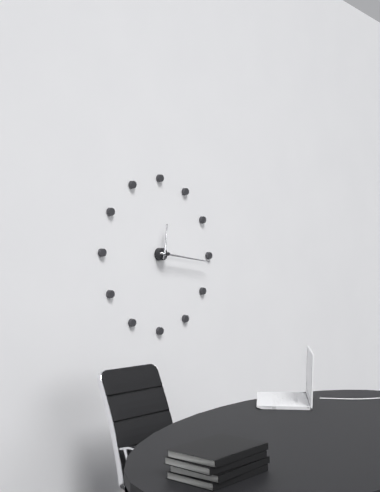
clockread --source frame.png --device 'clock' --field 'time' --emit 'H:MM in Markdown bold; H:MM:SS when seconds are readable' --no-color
**12:16**
